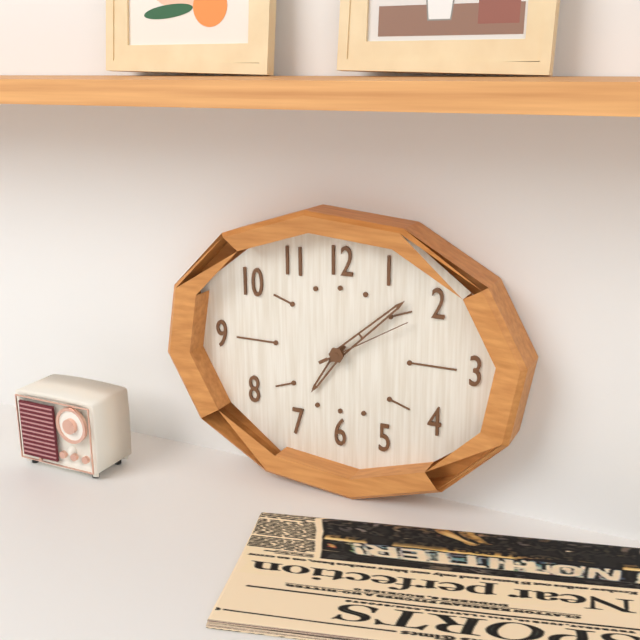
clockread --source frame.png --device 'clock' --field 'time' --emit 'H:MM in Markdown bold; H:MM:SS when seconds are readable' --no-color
**7:08:10**
